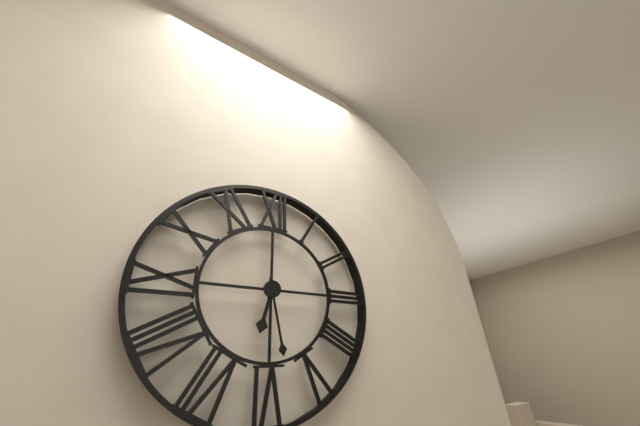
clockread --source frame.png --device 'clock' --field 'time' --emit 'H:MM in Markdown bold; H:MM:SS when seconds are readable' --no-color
**6:28**
